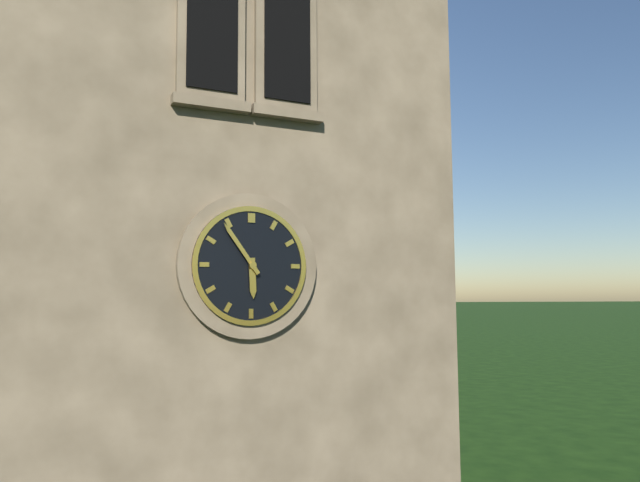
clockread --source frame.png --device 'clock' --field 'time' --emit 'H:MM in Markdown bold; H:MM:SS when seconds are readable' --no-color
**5:54**
